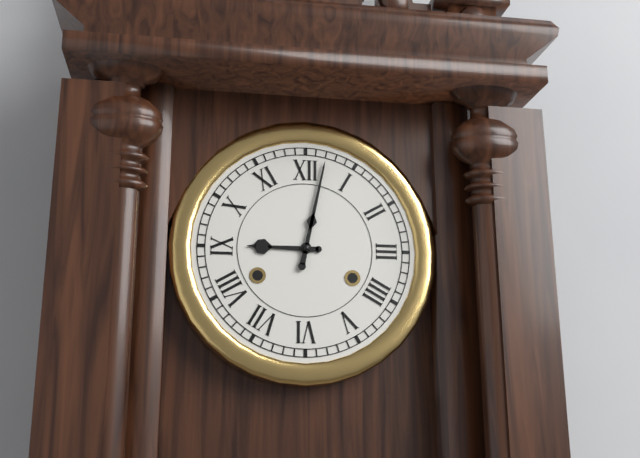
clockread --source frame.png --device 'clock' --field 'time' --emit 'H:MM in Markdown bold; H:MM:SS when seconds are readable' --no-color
**9:02**
